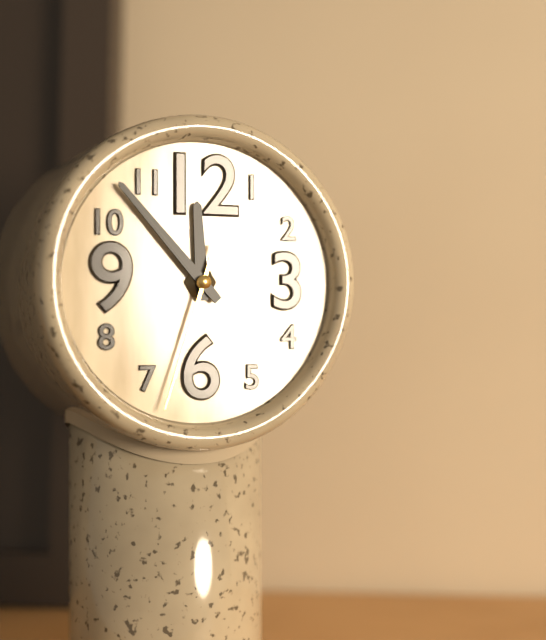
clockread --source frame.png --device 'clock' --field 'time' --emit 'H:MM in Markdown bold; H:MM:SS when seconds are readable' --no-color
**11:53:33**
